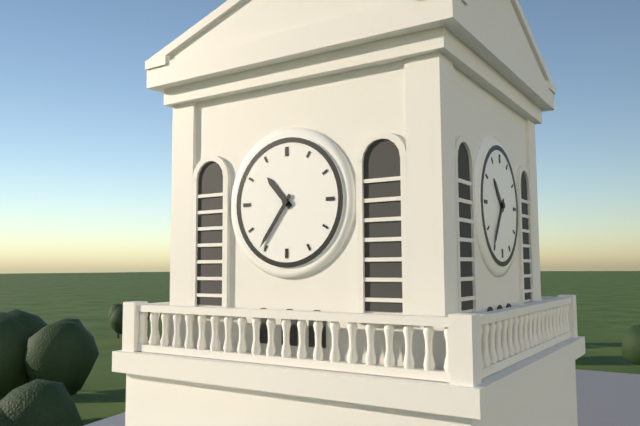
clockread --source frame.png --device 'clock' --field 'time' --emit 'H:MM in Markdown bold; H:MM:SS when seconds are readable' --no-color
**10:36**
